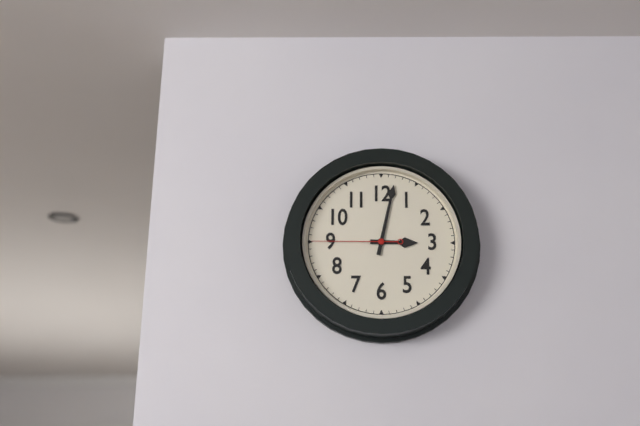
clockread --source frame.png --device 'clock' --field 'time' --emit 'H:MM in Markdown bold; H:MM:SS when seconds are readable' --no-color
**3:02:45**
